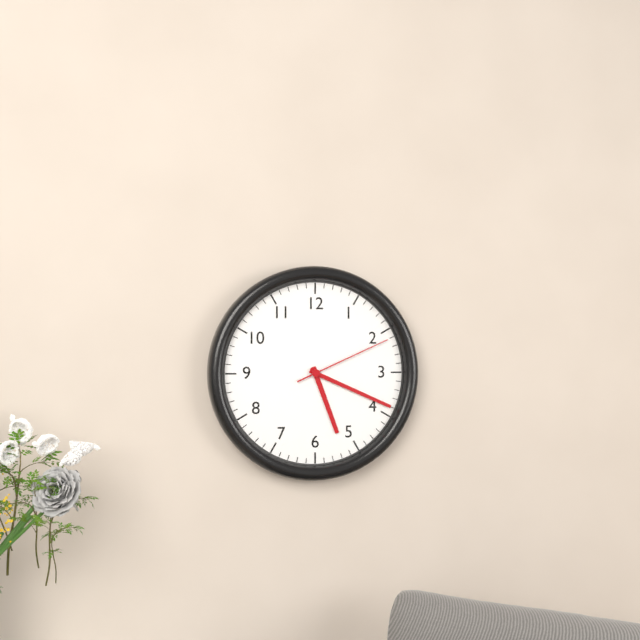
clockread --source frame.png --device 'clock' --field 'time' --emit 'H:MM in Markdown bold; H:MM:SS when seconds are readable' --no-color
**5:19:11**
